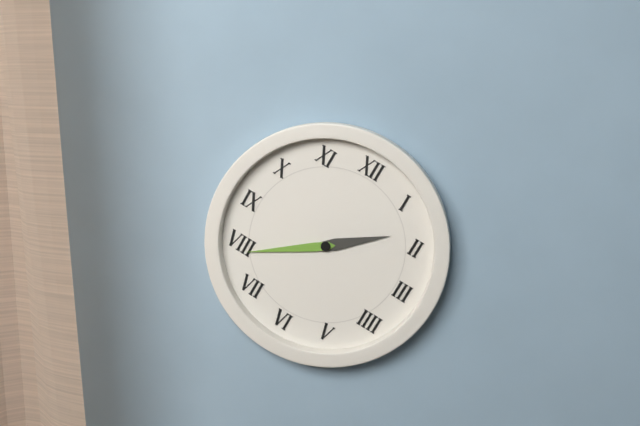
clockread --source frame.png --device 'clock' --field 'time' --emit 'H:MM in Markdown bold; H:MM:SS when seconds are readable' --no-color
**1:39**
